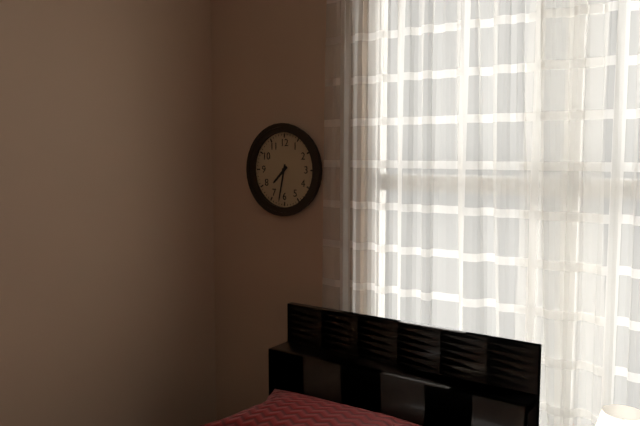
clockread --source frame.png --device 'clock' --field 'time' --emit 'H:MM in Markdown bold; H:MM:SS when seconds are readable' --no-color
**7:32**
